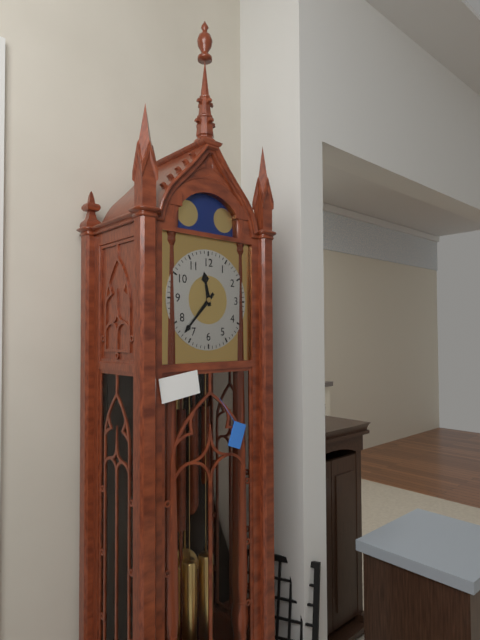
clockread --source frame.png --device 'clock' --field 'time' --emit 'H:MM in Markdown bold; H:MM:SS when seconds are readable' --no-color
**11:37**
